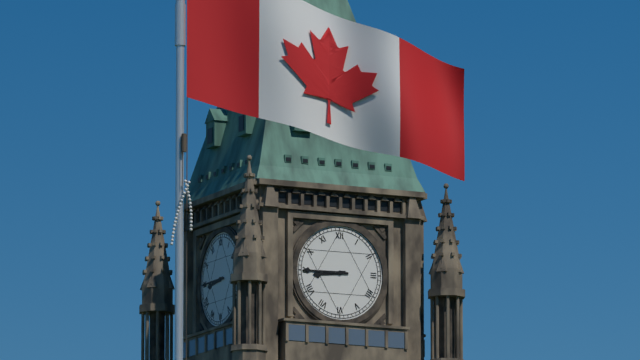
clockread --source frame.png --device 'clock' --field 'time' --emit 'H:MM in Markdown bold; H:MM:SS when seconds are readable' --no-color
**8:45**
